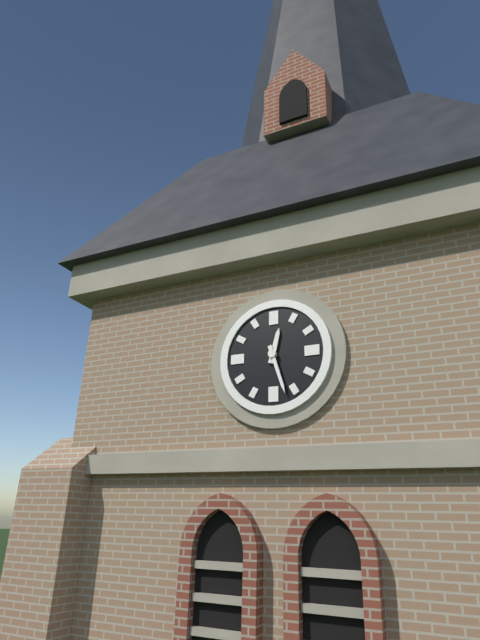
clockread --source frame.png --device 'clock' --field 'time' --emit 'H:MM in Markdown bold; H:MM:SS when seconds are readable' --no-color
**12:27**
